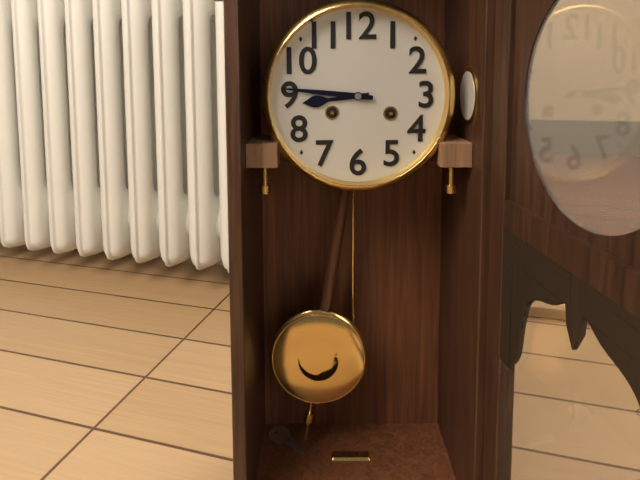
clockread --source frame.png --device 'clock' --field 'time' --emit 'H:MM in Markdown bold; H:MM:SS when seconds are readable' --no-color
**8:46**
